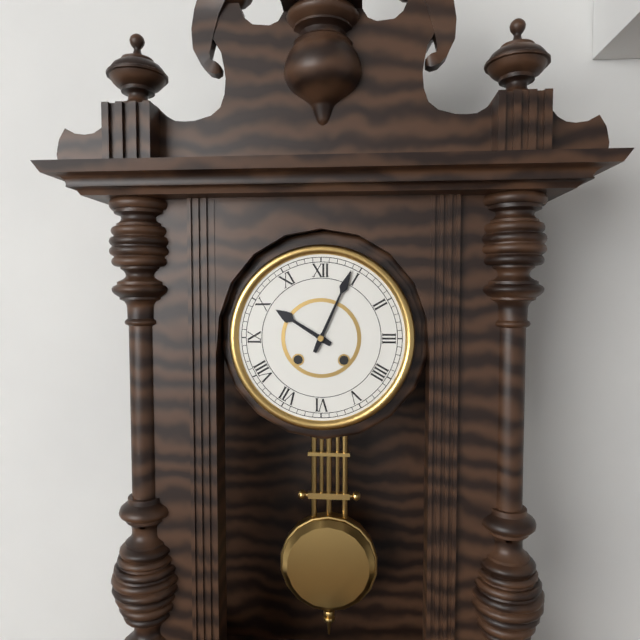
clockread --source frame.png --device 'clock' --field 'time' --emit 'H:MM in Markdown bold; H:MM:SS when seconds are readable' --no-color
**10:04**
